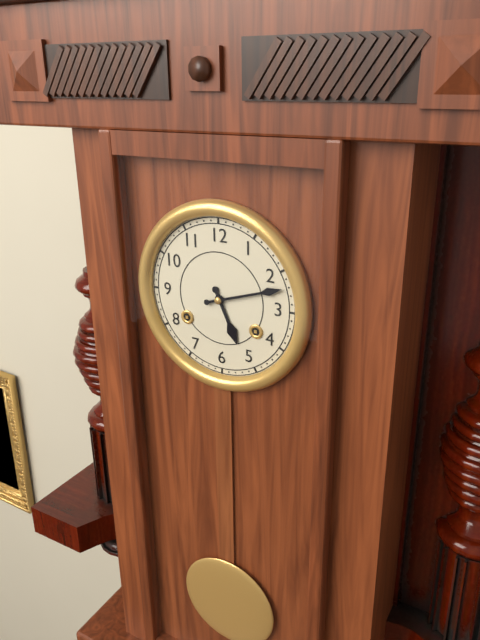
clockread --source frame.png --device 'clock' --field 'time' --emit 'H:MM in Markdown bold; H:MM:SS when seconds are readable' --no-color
**5:12**
